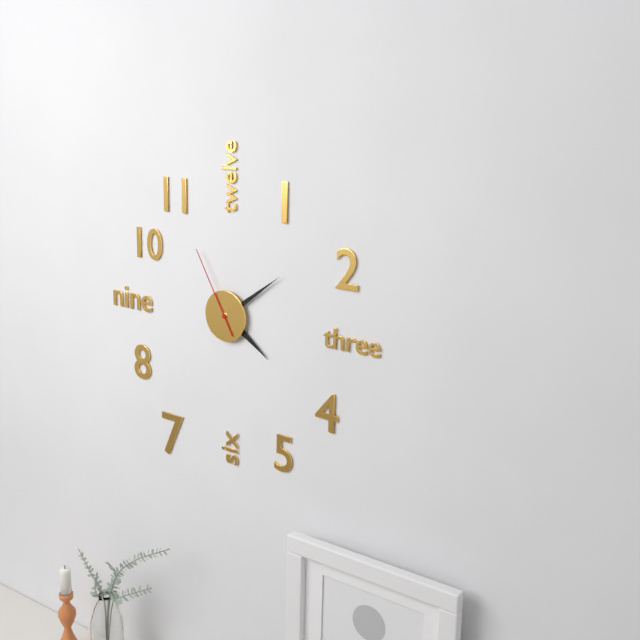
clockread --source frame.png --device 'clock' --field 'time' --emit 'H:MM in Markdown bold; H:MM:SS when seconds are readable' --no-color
**4:09:55**
